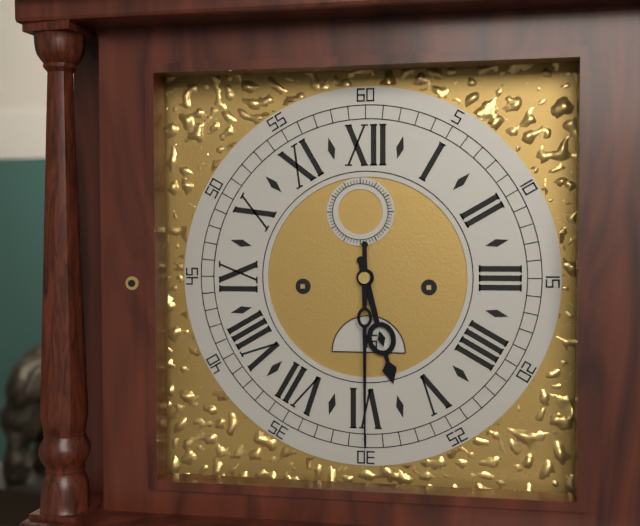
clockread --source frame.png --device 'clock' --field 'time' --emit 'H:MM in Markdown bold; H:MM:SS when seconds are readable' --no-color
**5:30**
